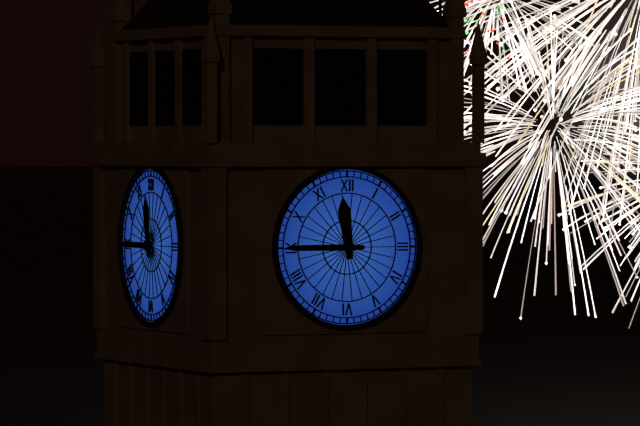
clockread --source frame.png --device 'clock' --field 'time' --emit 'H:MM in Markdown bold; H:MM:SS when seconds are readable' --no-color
**11:45**
